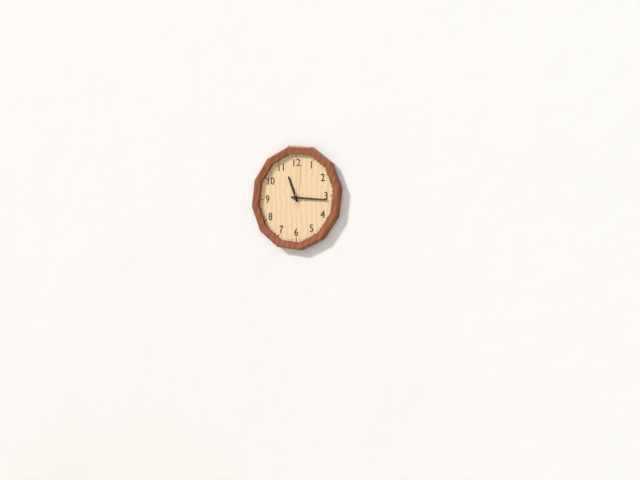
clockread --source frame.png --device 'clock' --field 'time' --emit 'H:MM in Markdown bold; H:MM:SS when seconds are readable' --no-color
**11:16**
